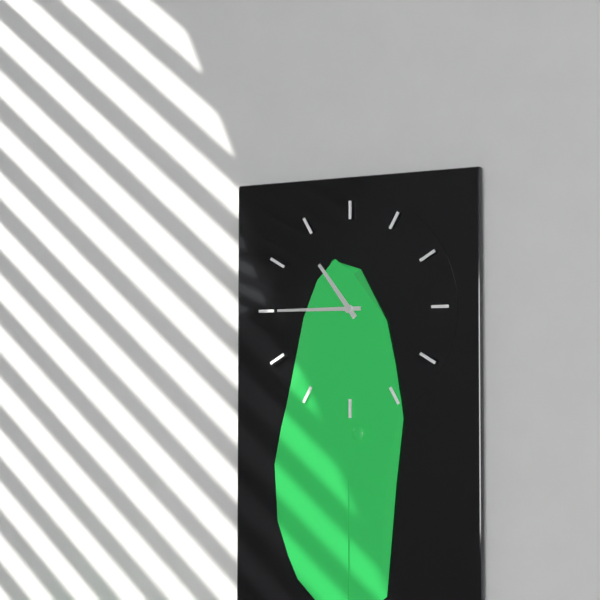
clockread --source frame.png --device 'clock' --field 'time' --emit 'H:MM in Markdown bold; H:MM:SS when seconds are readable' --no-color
**10:45**
